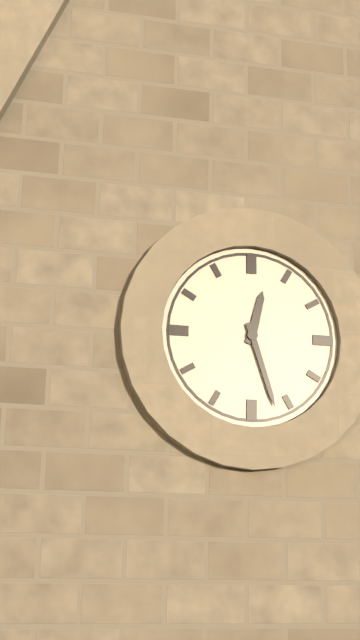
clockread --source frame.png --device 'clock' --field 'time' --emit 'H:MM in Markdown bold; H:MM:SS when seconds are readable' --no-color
**12:27**
